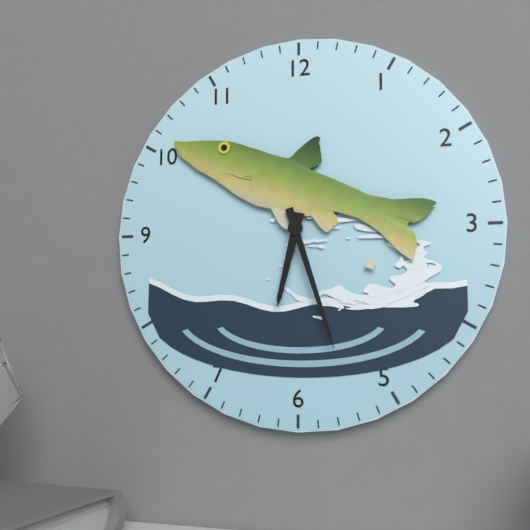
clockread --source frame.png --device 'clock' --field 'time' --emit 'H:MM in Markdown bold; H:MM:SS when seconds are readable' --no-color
**6:27**
